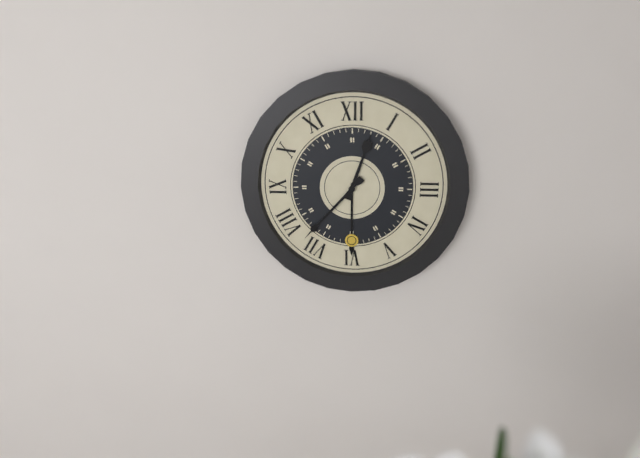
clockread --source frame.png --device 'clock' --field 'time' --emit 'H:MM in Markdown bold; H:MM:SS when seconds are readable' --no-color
**12:37**
